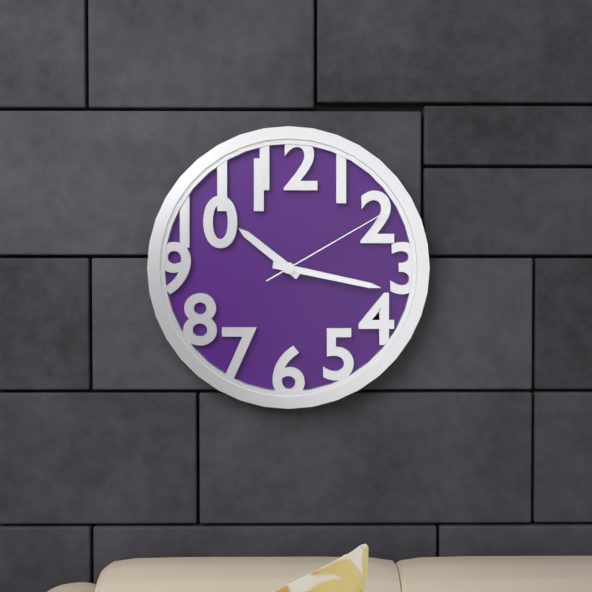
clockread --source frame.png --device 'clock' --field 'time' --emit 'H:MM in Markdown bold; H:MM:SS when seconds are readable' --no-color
**10:17:10**
